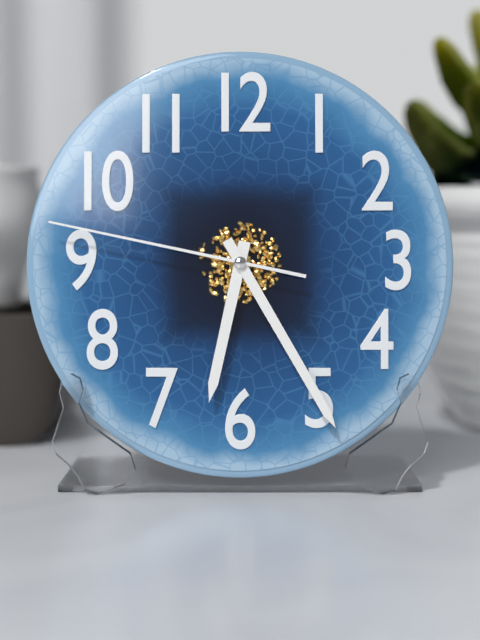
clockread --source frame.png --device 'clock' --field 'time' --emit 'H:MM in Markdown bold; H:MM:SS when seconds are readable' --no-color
**6:25:47**
